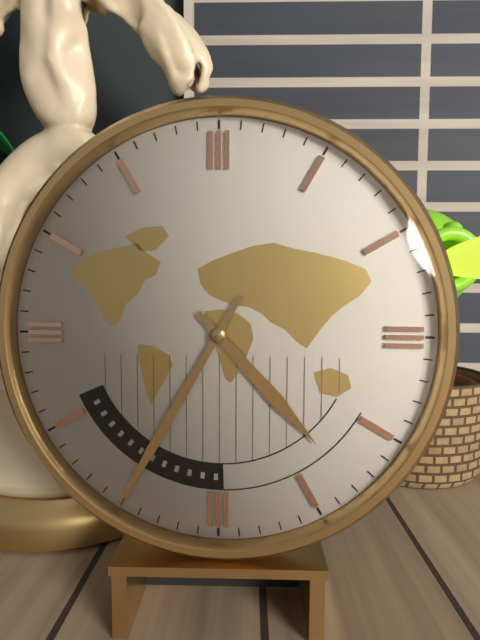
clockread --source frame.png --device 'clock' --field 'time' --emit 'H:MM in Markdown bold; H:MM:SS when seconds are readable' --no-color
**4:35**
